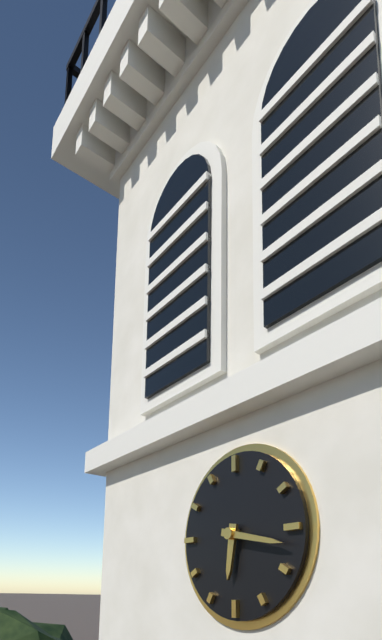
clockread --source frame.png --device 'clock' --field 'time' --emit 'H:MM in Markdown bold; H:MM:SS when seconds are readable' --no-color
**6:17**
